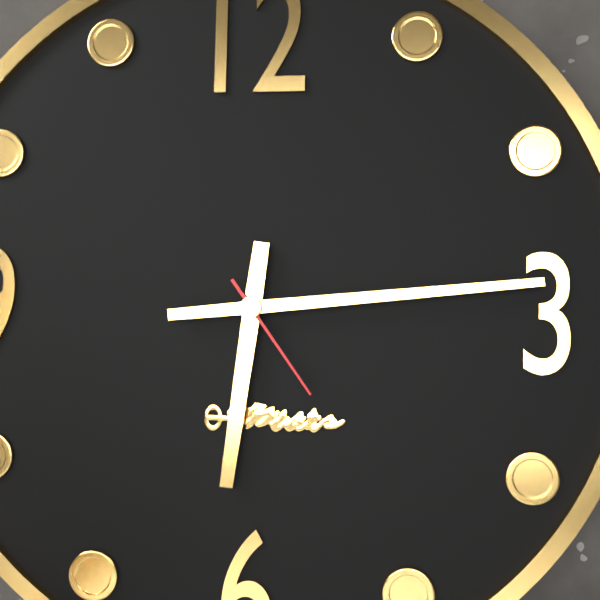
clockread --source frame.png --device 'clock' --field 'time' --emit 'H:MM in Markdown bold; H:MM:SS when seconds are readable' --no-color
**6:14:24**
